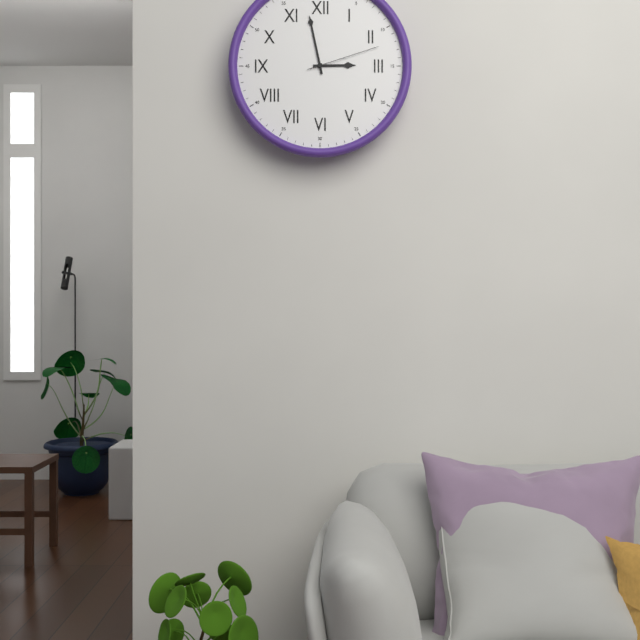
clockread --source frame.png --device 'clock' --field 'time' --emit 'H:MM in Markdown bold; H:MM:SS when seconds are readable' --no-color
**2:58:12**
